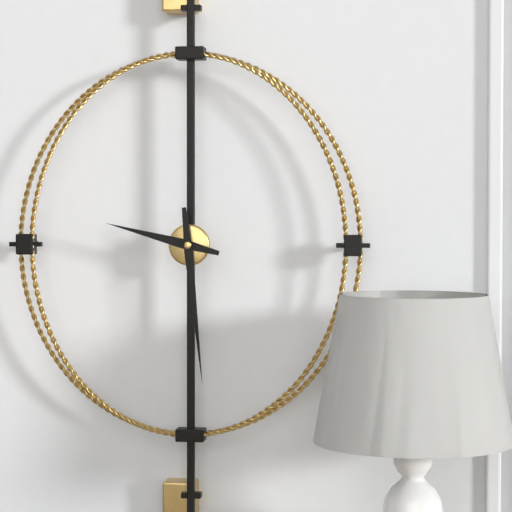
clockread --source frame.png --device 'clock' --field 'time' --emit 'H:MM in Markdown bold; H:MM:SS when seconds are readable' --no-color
**9:29**
